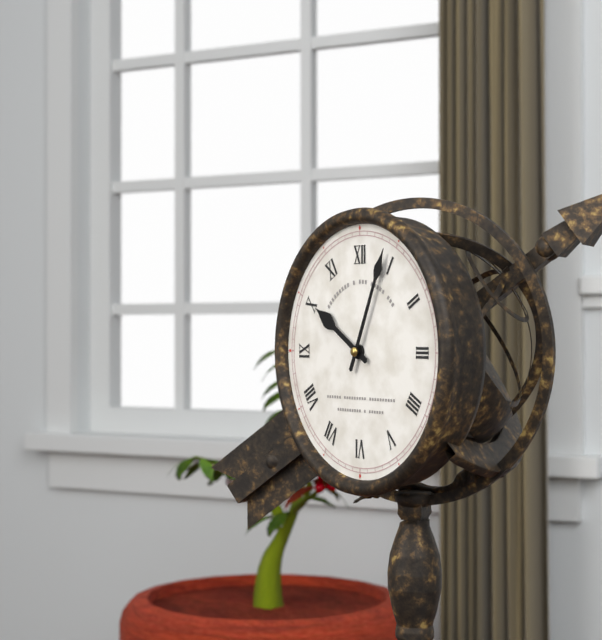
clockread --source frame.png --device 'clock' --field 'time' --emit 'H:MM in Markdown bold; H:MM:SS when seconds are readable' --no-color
**10:04**
